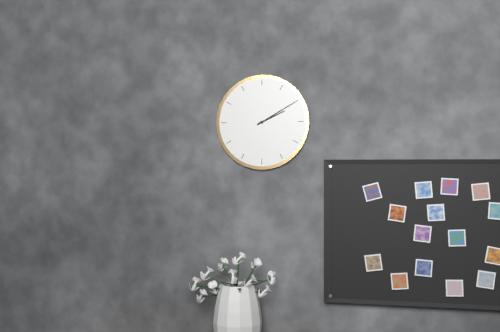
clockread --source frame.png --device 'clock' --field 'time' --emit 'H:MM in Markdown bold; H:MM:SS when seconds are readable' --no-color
**2:10**
